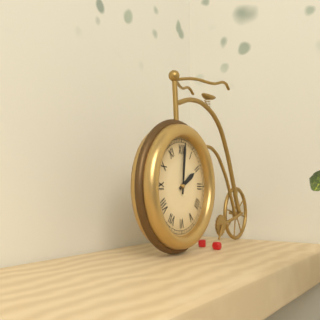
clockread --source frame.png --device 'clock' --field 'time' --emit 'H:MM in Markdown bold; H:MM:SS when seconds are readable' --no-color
**2:01**
